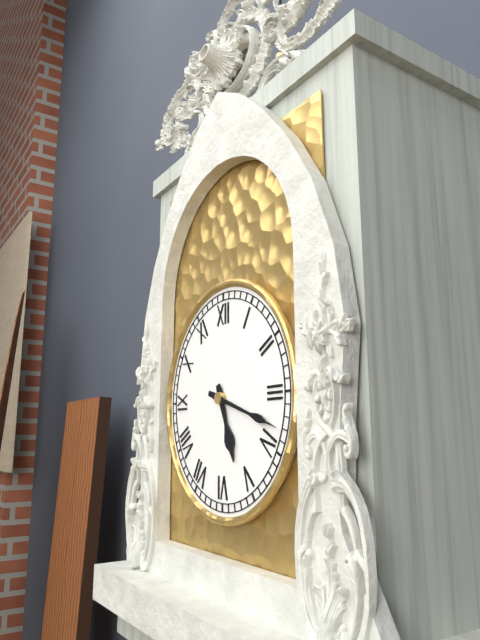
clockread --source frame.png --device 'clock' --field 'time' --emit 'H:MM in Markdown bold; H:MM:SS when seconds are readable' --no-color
**5:18**
